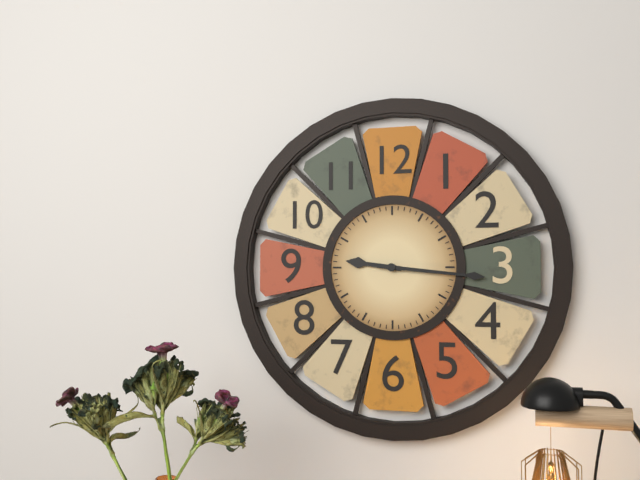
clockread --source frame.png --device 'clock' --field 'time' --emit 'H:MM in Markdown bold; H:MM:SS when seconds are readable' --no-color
**9:16**
